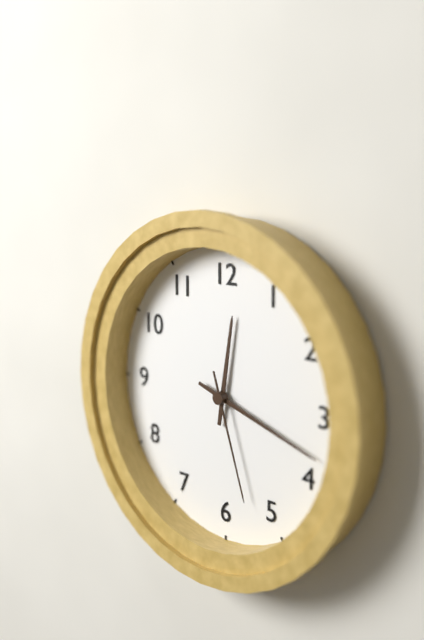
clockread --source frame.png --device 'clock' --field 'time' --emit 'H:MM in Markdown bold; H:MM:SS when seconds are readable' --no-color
**12:18:27**
